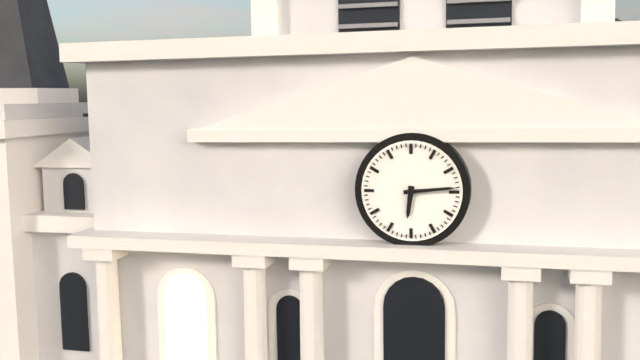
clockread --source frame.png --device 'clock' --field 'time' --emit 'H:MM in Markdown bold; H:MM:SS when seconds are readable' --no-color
**6:14**
